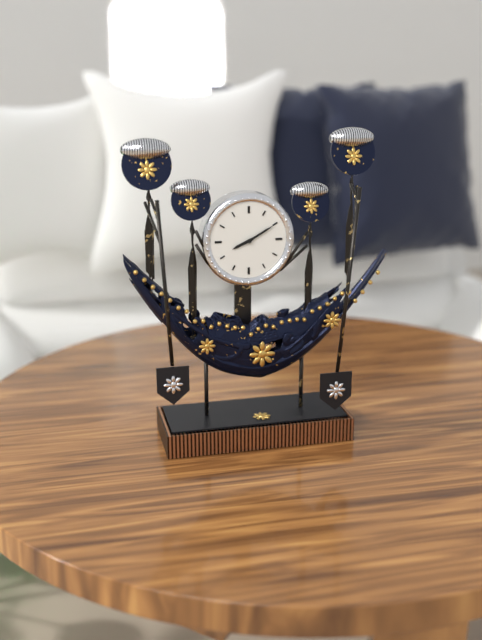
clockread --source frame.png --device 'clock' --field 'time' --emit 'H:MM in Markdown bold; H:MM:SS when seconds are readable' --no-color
**8:10**
